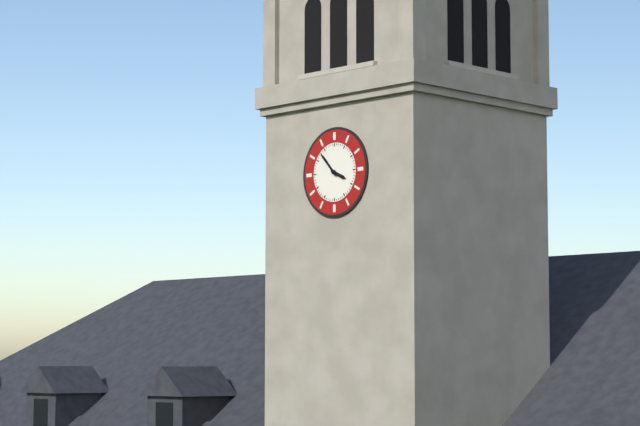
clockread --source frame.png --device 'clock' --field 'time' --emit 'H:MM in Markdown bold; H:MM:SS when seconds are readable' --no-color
**3:53**
